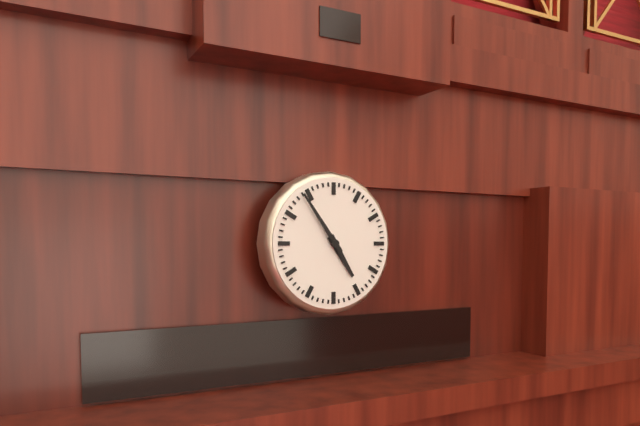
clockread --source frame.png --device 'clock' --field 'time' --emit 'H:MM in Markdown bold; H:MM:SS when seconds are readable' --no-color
**4:54**
